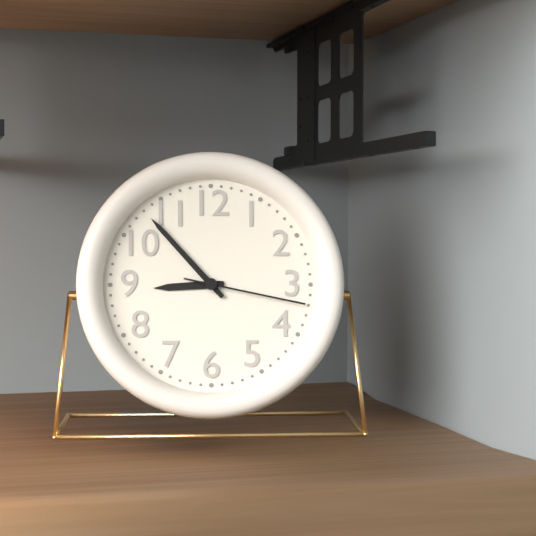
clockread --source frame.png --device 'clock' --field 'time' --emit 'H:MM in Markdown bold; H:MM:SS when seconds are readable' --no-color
**8:53:17**
